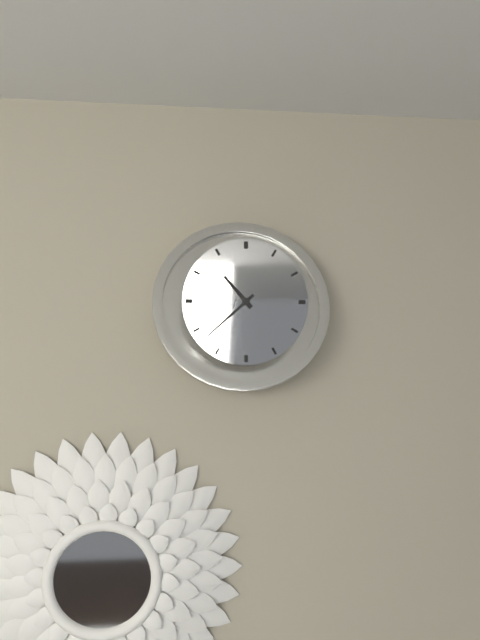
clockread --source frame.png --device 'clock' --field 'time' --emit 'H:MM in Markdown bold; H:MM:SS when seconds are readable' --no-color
**10:38**
